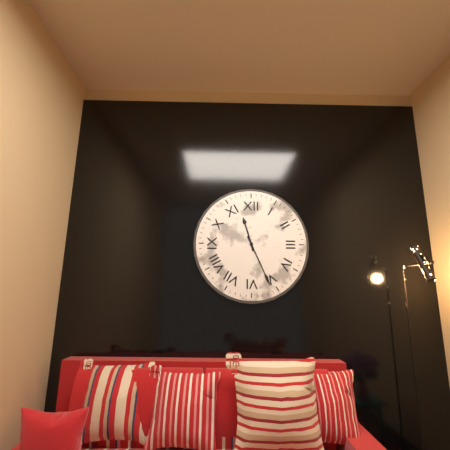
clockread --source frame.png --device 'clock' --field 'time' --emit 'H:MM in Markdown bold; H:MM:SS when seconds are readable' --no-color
**11:26**
